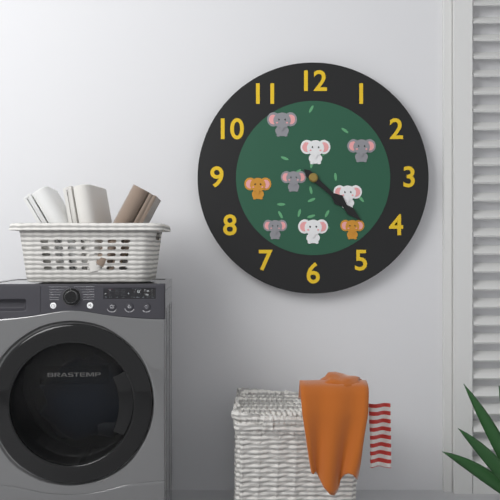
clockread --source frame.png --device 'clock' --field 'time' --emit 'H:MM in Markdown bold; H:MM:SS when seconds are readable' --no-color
**4:22**
